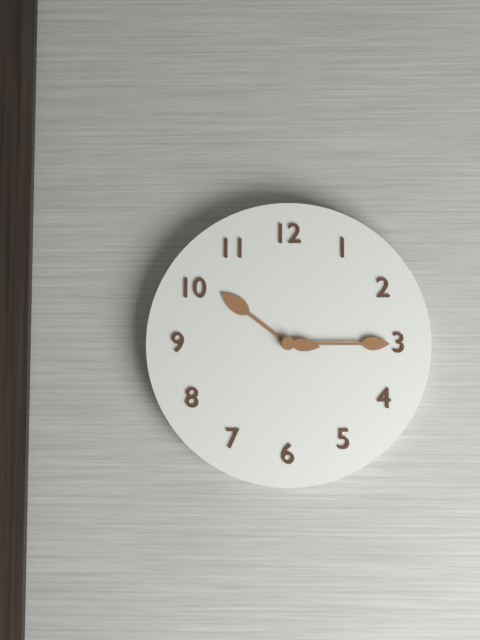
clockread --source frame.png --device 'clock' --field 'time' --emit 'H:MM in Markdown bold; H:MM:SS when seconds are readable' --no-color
**10:15**
